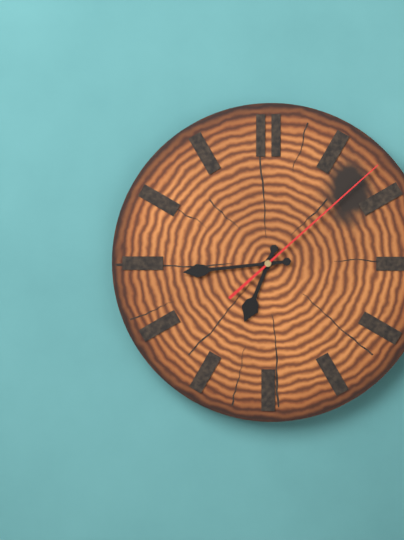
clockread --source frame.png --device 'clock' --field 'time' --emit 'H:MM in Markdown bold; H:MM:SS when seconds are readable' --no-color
**6:44:08**
